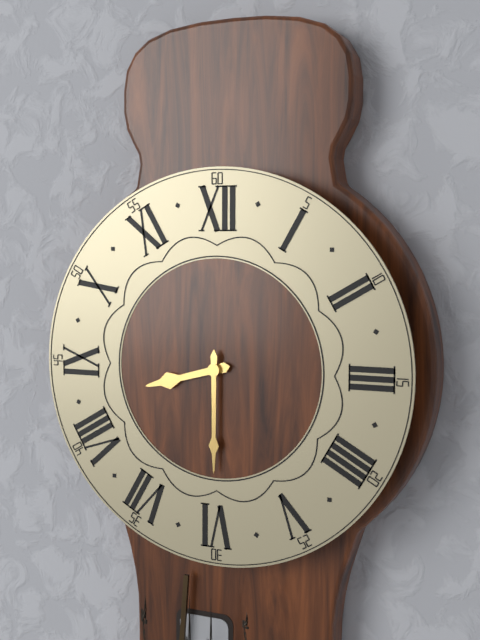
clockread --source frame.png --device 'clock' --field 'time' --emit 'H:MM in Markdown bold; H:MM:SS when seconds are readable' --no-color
**8:30**
